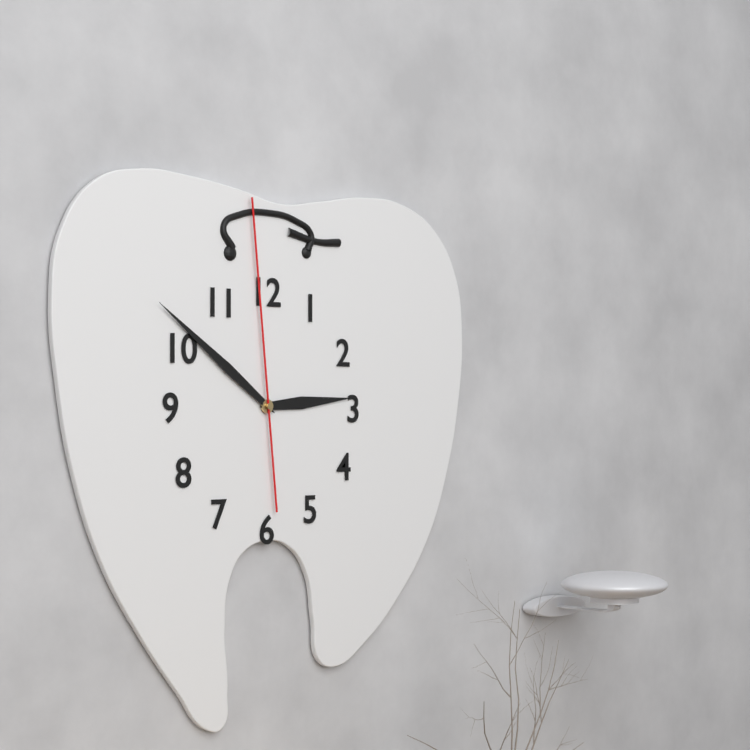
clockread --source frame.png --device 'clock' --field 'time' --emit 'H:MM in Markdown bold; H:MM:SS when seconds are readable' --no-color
**2:51:59**
